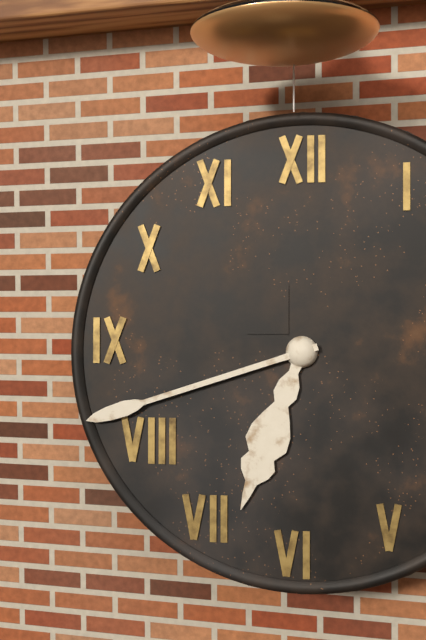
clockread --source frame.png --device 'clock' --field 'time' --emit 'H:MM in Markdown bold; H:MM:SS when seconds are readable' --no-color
**6:42**
